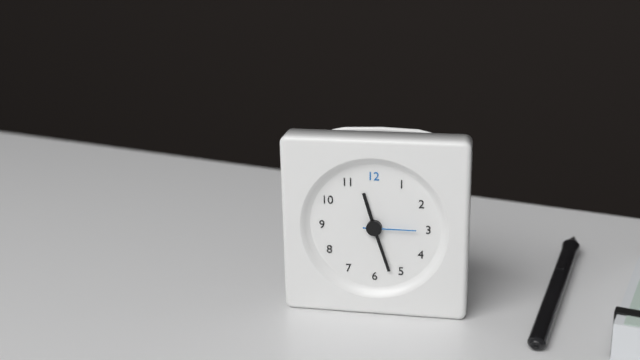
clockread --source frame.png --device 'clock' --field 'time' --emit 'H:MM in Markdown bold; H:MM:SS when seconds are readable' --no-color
**11:27:15**
